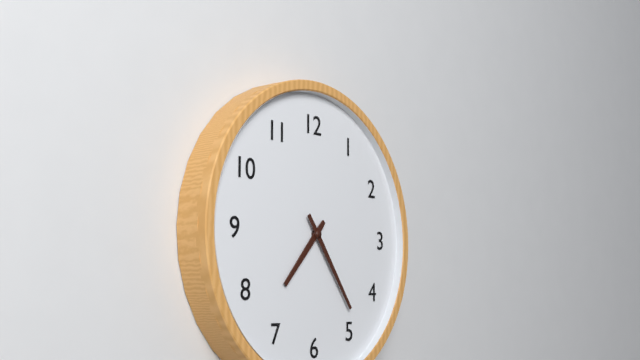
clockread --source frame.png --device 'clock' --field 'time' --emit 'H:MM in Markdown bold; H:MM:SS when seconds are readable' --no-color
**7:24**
